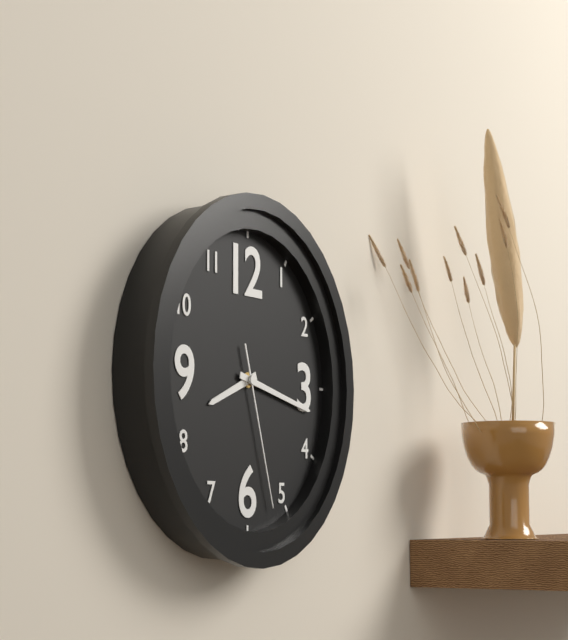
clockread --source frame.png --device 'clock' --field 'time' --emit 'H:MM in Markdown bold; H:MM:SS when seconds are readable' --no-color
**8:17:27**
